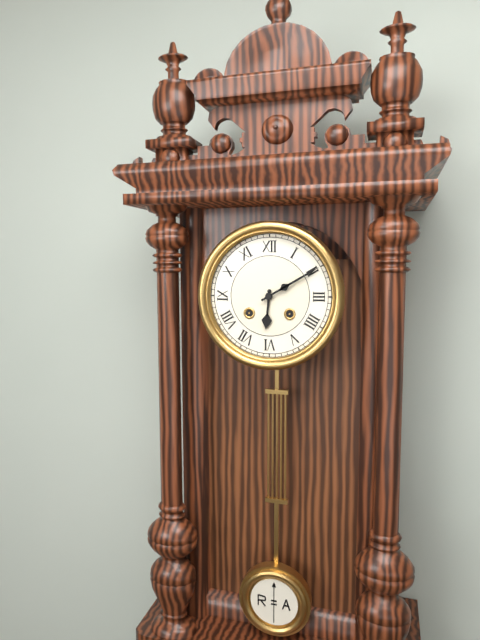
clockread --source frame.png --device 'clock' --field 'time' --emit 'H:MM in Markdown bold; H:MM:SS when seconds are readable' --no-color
**6:10**
